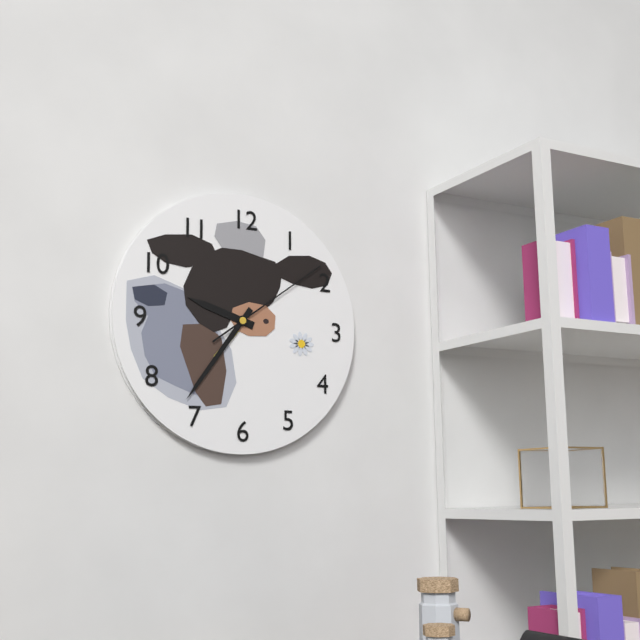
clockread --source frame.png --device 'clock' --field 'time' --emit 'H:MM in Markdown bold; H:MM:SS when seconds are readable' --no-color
**9:36:09**
